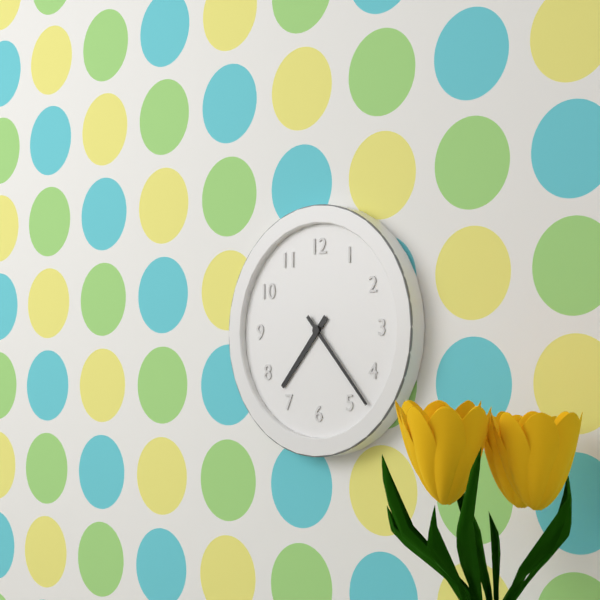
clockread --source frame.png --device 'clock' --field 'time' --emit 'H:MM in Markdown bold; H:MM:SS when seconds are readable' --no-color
**7:23**
